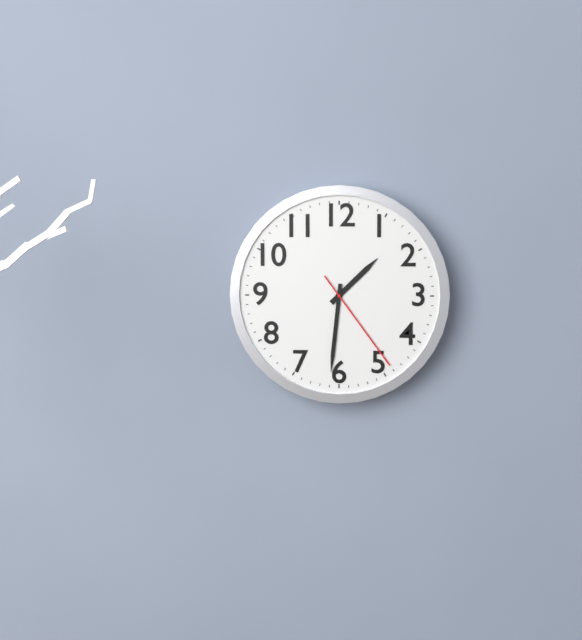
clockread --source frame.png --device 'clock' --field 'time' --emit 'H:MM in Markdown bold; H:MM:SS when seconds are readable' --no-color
**1:31:24**
